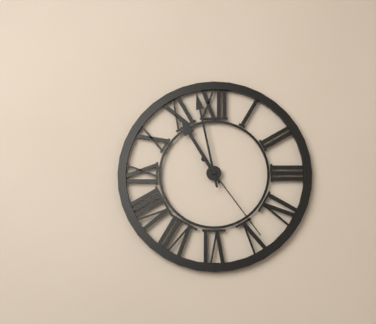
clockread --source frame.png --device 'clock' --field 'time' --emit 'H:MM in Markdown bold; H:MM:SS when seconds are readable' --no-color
**10:58:24**
